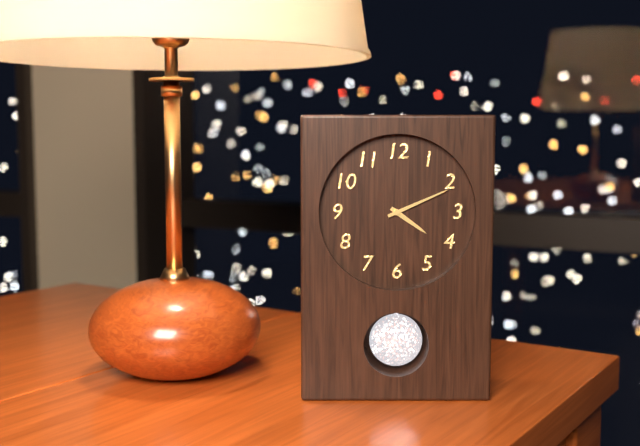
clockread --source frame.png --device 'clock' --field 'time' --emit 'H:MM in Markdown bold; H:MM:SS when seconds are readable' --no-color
**4:11**
